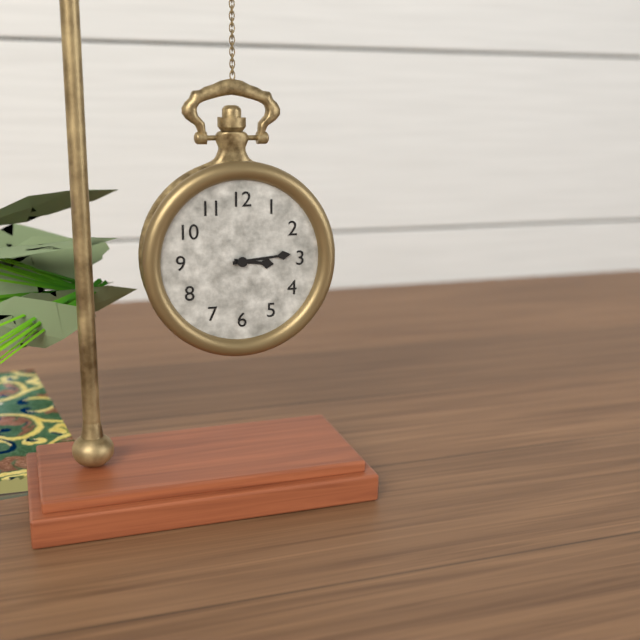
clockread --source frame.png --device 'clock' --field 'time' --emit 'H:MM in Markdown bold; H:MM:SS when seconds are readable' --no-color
**3:14**
